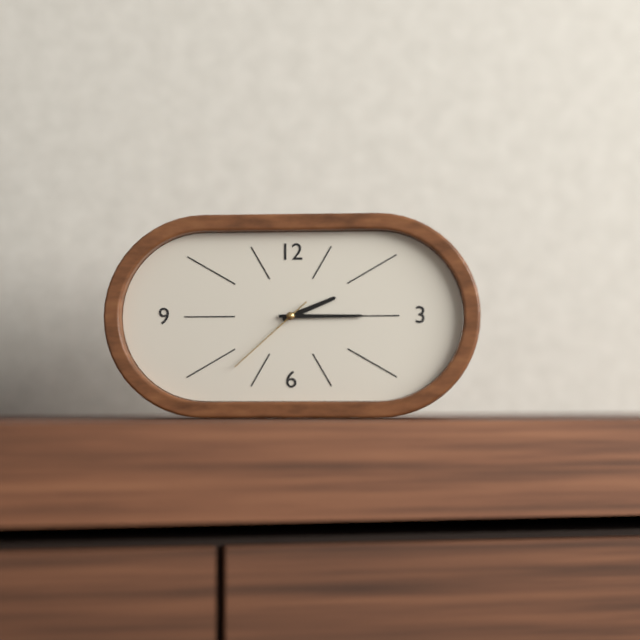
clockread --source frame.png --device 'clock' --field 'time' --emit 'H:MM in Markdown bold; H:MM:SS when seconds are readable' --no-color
**2:15:38**
